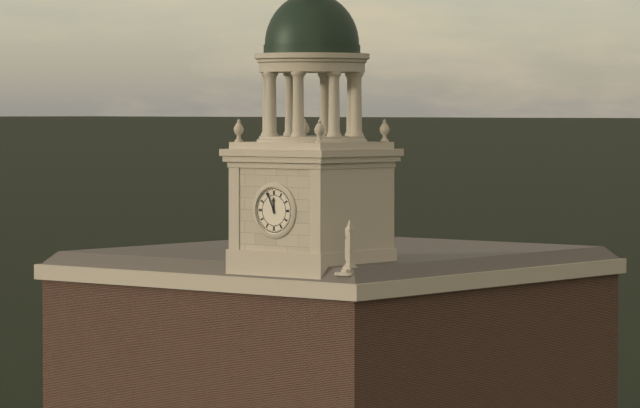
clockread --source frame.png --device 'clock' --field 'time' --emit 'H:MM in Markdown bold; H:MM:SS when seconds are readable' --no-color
**11:56**
